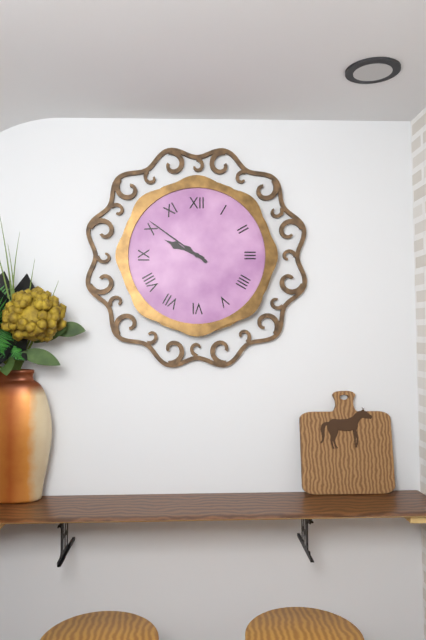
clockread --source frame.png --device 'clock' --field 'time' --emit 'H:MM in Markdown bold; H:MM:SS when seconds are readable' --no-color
**9:51**
